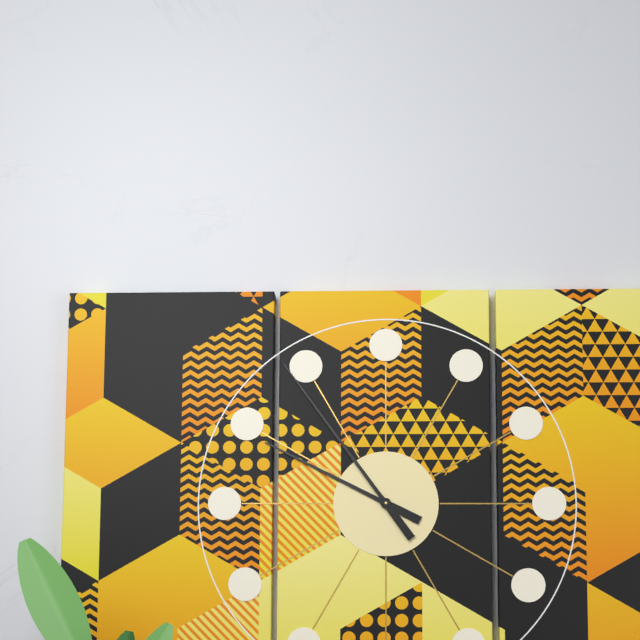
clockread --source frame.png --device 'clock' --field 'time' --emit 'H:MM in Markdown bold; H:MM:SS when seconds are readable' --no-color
**9:54**
